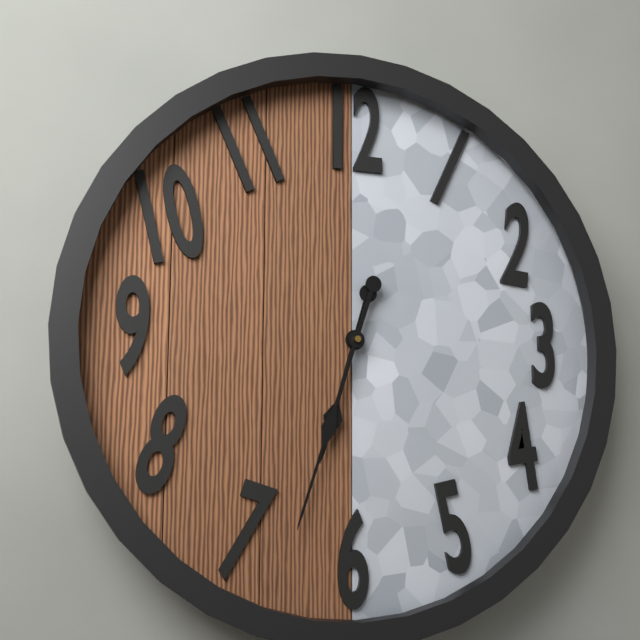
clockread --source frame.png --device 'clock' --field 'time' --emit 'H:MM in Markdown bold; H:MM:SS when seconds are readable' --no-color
**6:33**
